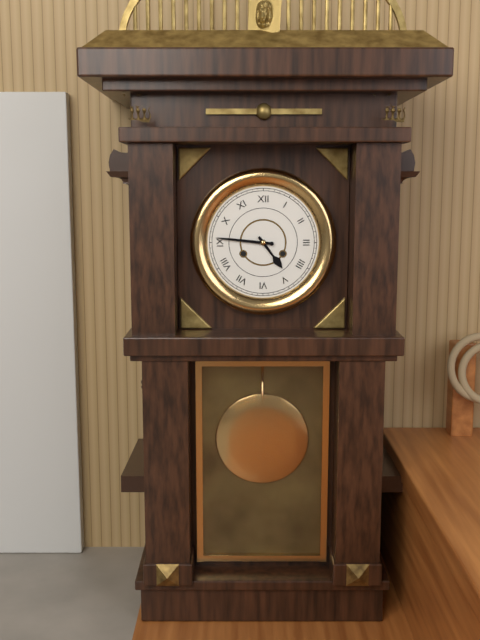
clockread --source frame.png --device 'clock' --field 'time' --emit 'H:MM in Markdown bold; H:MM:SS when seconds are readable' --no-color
**4:46**
